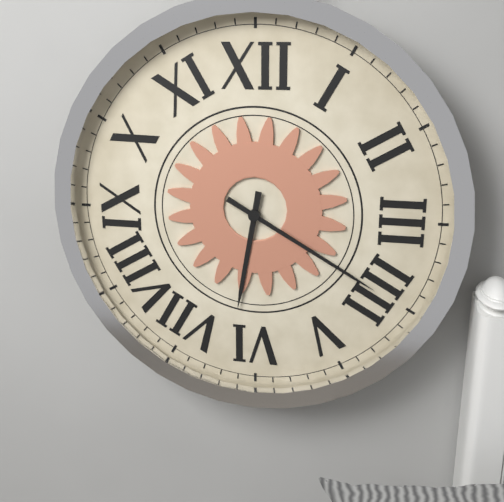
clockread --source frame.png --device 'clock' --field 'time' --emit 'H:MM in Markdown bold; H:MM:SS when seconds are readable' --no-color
**6:20**
